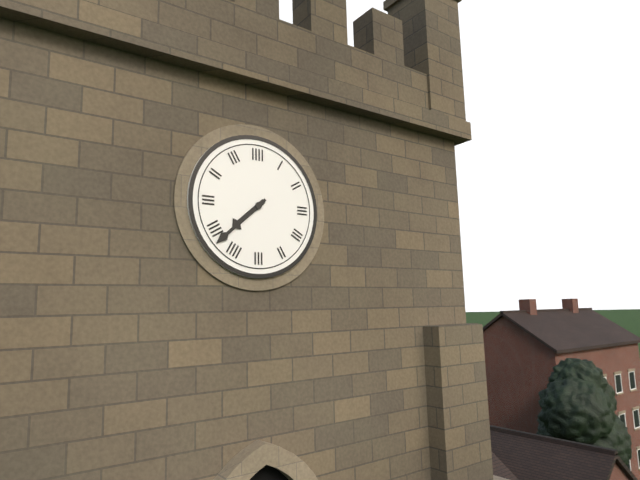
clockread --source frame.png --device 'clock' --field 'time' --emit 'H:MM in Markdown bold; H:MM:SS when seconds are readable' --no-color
**7:38**
